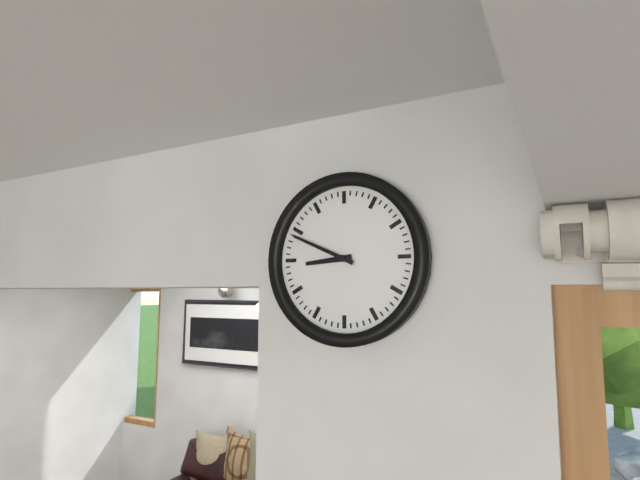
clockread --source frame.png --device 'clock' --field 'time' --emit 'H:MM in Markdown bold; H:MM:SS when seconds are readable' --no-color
**8:49**
